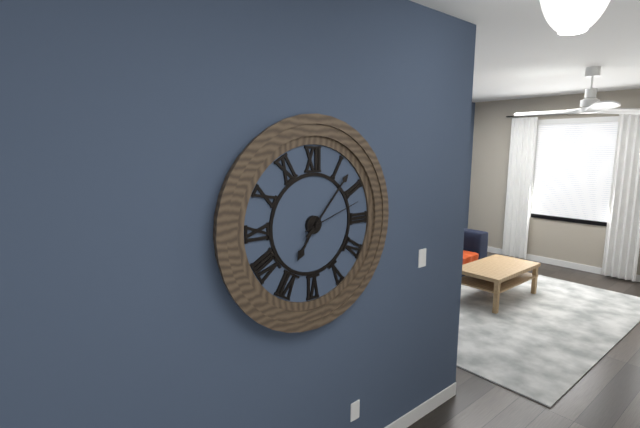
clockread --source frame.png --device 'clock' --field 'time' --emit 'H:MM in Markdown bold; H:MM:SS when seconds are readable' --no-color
**7:07:12**
